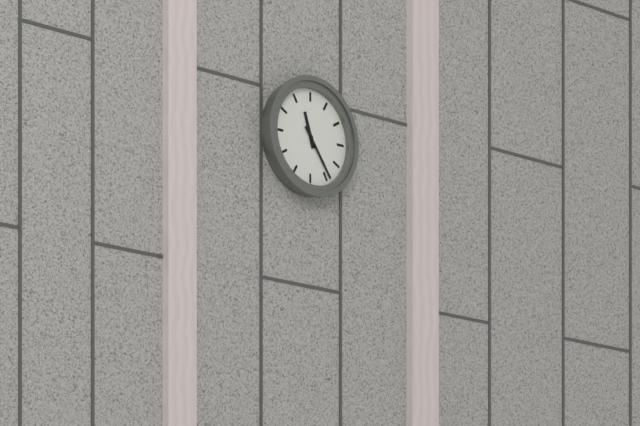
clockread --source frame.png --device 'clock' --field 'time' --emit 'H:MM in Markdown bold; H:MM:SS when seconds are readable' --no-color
**11:24**
